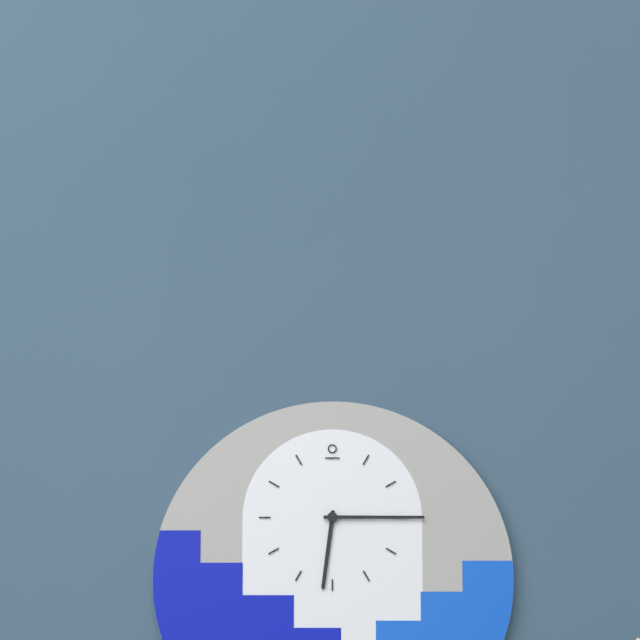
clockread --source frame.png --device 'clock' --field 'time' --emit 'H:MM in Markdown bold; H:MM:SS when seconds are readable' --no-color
**6:15**
